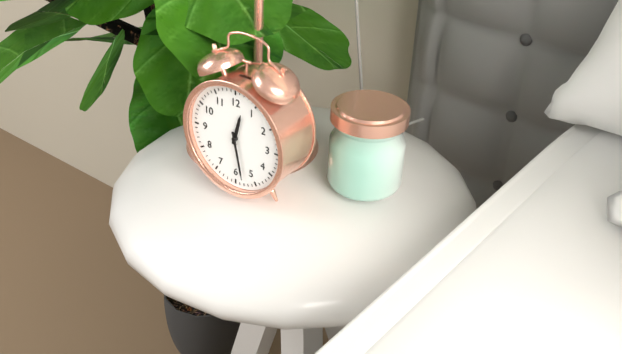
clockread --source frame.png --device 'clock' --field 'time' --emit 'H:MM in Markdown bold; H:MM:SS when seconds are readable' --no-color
**12:28**
